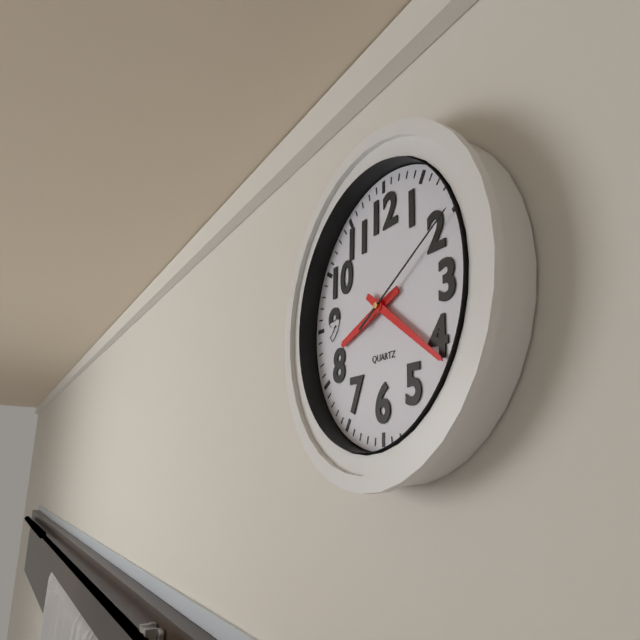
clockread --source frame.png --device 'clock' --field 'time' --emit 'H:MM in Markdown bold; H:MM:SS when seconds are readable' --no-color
**8:21:10**
